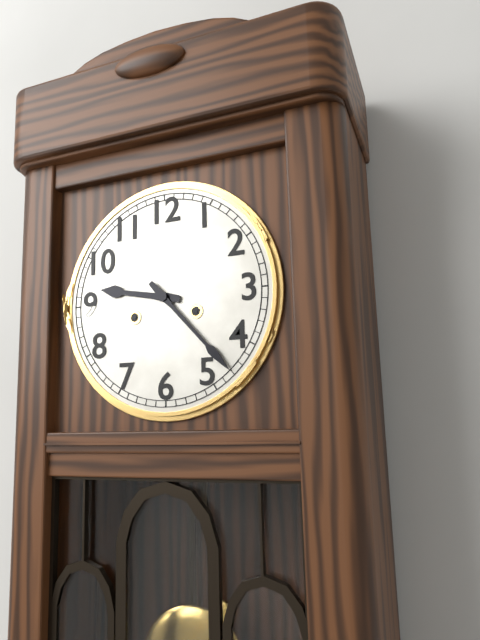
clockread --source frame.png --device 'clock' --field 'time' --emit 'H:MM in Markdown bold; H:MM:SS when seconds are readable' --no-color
**9:23**
